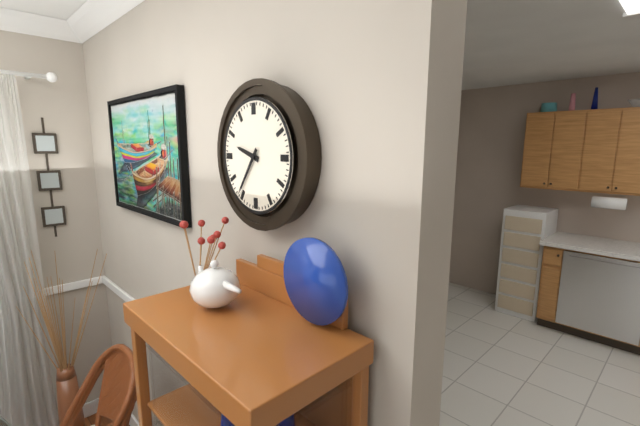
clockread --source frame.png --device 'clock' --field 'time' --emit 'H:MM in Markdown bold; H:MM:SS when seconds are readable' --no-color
**9:36**
